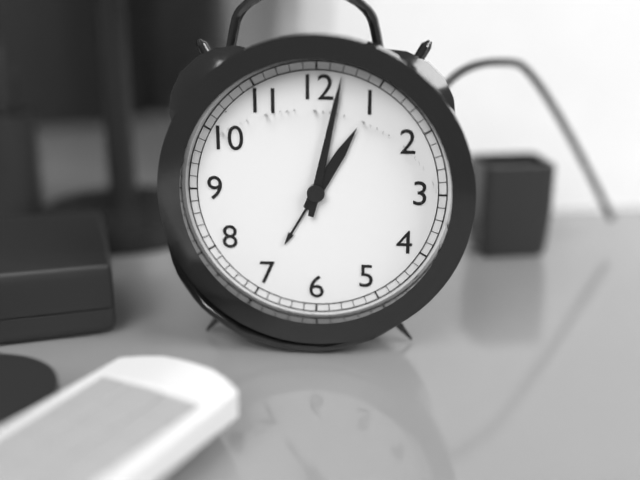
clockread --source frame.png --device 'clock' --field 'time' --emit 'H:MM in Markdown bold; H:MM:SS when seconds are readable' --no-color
**1:02**
